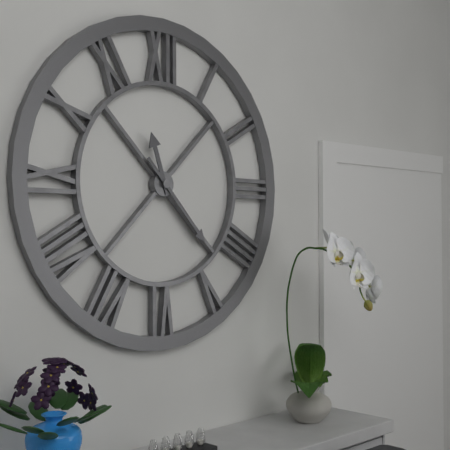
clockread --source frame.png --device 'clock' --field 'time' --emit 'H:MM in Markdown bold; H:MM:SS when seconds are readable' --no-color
**11:23**
